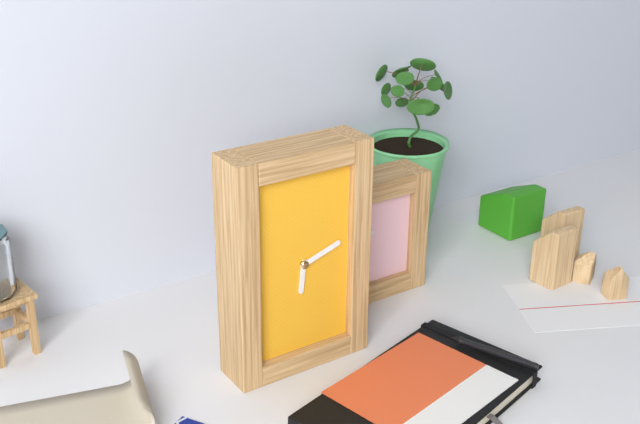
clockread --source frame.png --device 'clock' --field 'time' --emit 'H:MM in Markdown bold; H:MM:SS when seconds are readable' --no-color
**6:12**
